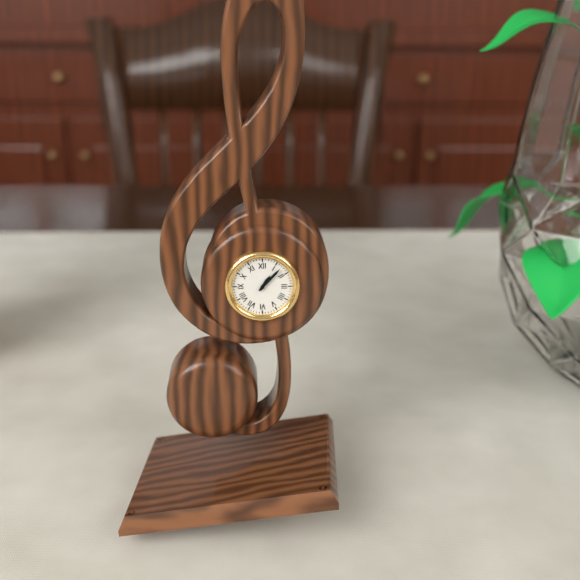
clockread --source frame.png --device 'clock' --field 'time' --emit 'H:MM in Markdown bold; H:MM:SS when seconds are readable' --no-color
**1:07**
